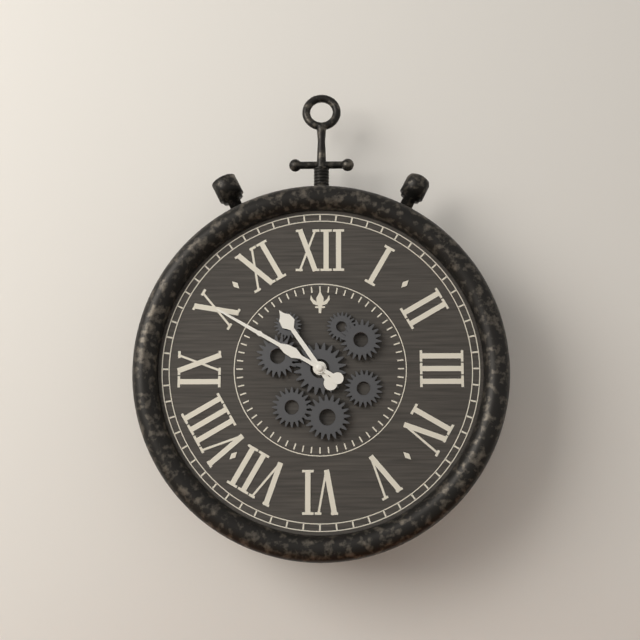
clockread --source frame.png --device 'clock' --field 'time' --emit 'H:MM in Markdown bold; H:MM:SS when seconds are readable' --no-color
**10:50**
